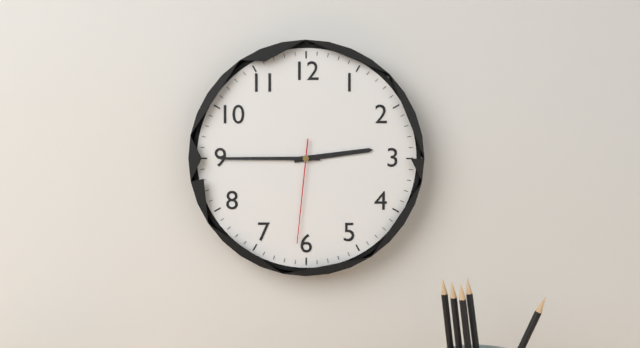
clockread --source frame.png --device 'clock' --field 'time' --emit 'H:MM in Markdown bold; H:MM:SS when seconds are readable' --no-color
**2:45:31**
